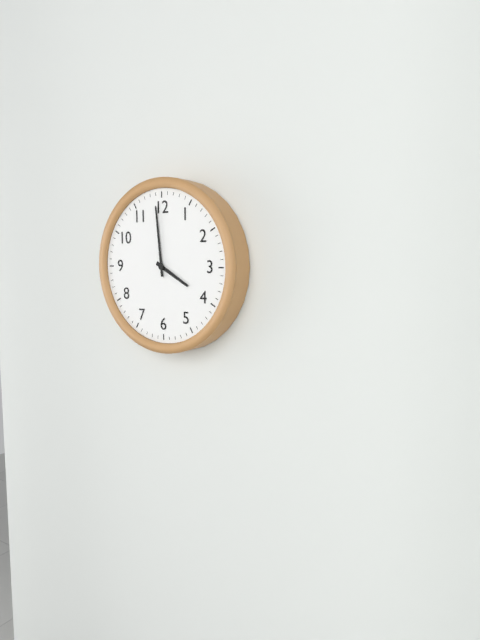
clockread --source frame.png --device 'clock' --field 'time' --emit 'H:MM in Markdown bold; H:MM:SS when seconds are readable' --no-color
**3:59**
